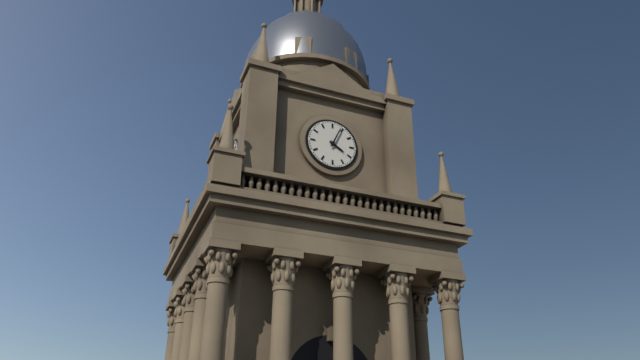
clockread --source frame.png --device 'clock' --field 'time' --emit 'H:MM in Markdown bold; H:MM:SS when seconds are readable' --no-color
**4:04**
